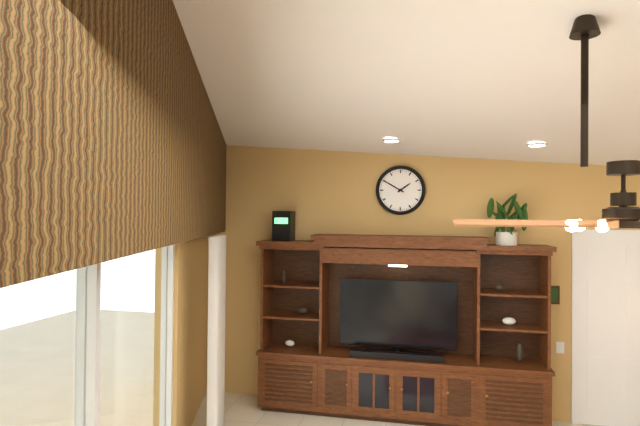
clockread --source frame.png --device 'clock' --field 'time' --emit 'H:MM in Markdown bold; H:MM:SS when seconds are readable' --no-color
**1:50**
